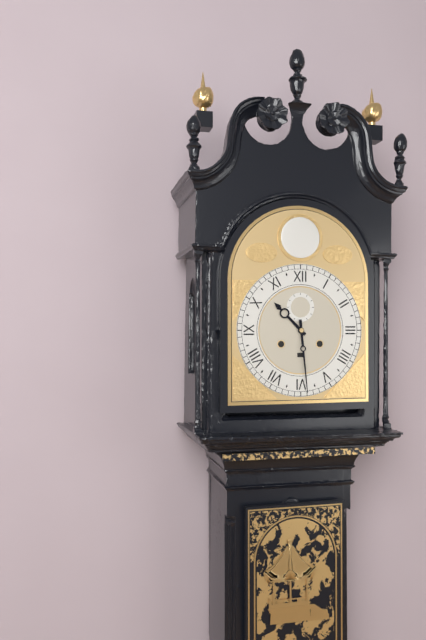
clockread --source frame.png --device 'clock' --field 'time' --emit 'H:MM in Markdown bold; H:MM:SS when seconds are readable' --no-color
**10:29**
